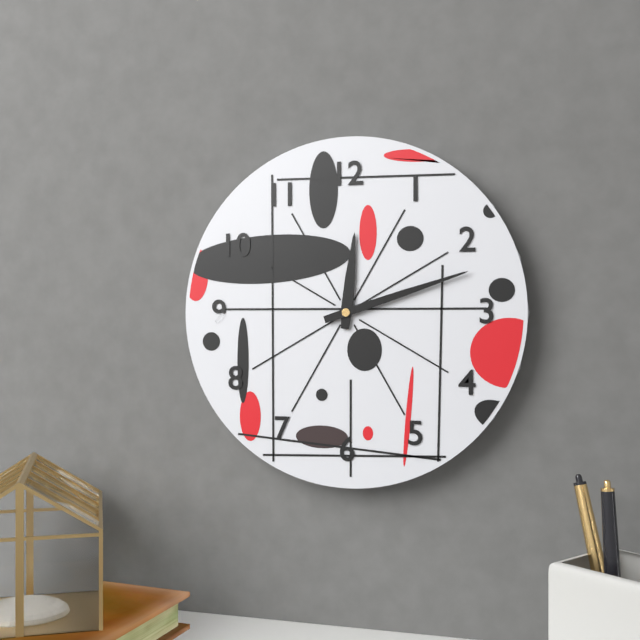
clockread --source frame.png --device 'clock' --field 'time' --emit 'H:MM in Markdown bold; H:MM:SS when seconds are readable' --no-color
**12:12**
